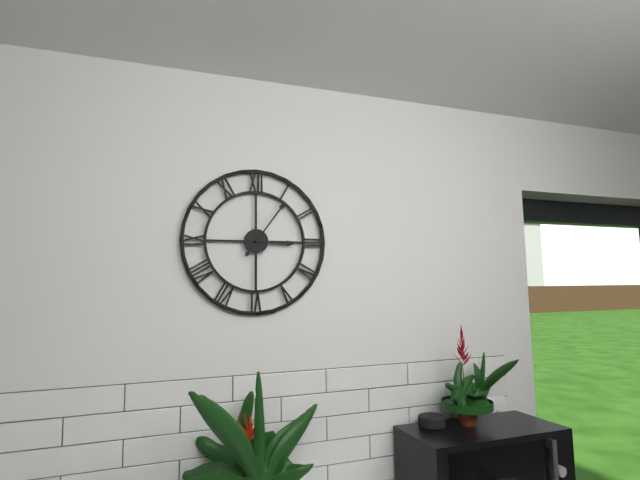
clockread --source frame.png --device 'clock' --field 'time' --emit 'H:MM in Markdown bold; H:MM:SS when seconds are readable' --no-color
**3:06**
